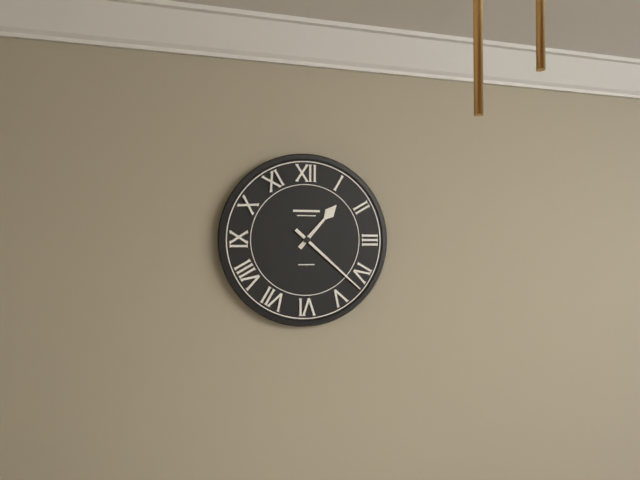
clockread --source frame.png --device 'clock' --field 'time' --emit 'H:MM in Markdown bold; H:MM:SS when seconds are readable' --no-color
**1:22**
